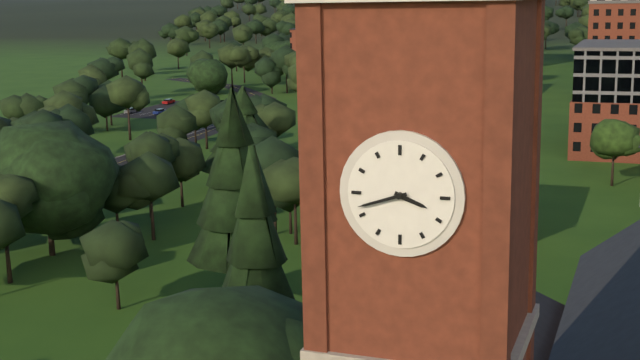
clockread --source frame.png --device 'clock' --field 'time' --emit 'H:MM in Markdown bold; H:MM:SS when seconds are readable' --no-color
**3:42**
